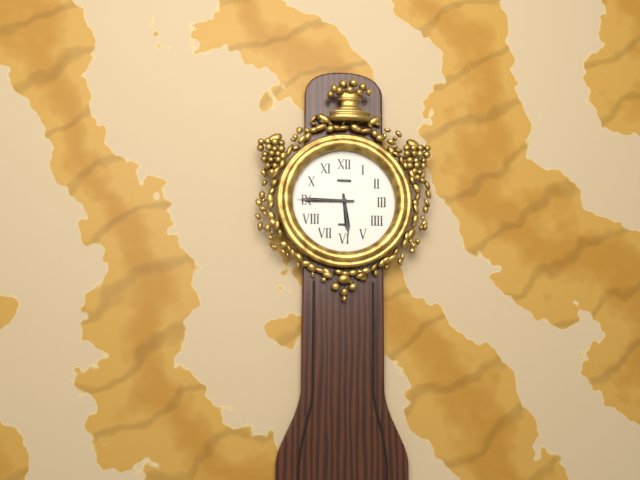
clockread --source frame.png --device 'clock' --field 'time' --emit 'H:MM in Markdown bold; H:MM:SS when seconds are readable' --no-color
**5:45**
